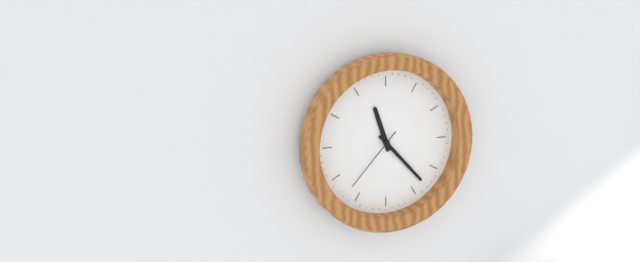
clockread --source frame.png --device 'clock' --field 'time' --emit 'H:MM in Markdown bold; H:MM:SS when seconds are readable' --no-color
**11:23:37**
